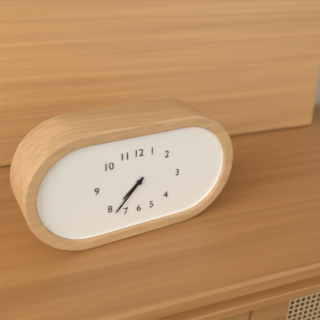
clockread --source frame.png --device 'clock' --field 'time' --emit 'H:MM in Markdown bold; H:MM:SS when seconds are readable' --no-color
**7:37**
